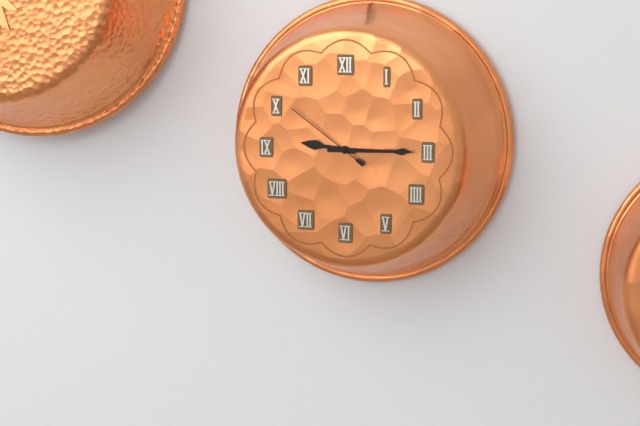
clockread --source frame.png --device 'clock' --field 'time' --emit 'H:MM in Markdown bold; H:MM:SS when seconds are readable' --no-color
**9:15:51**
